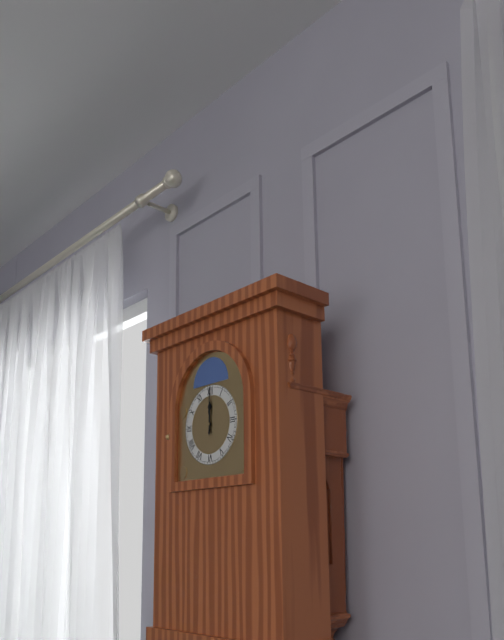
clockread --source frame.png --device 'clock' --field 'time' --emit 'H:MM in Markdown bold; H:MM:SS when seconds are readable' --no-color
**12:00**
